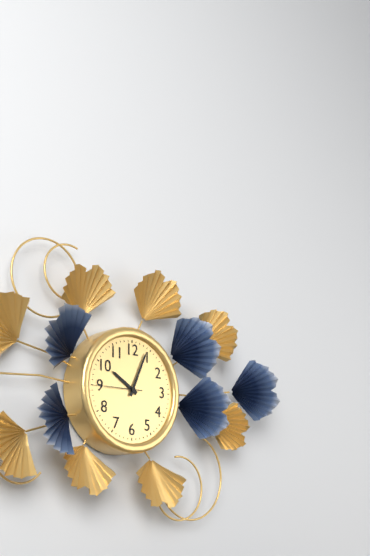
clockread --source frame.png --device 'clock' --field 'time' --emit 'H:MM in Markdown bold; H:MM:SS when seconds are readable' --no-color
**10:04**
